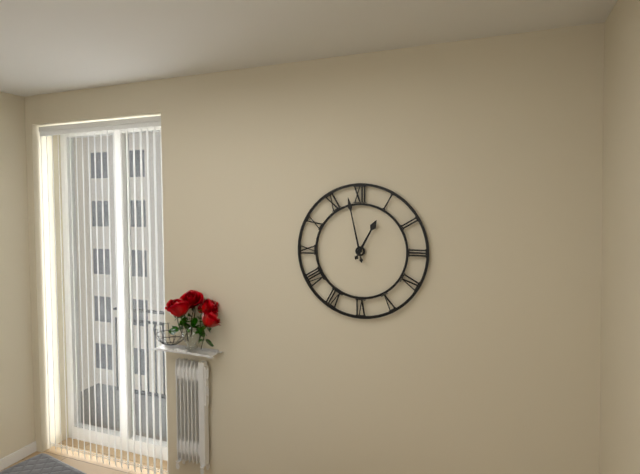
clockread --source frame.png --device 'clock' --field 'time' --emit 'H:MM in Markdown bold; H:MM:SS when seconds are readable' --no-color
**12:58**
